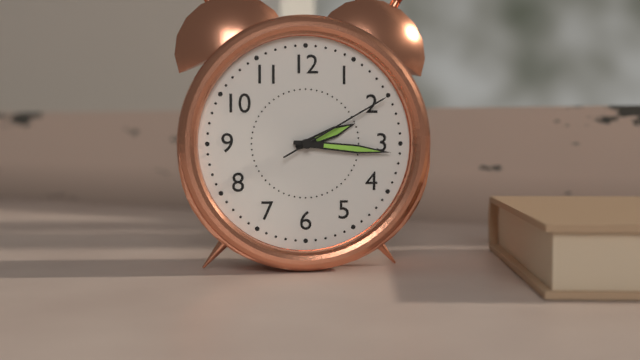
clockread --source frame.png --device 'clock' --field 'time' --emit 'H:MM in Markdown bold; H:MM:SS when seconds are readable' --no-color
**2:16:10**
